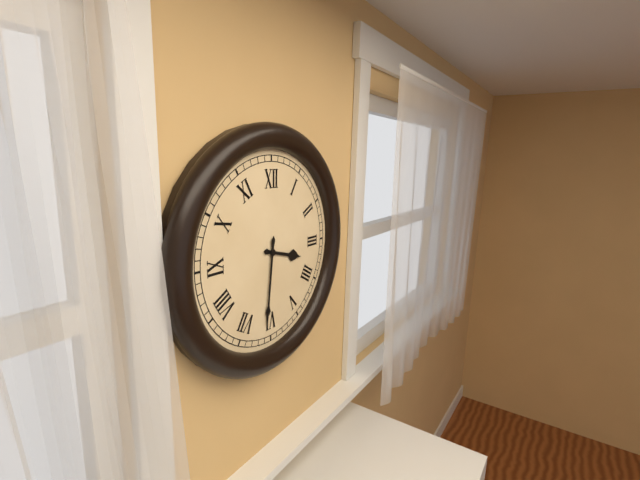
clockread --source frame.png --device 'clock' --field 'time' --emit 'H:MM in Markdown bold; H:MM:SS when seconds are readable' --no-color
**3:31**
